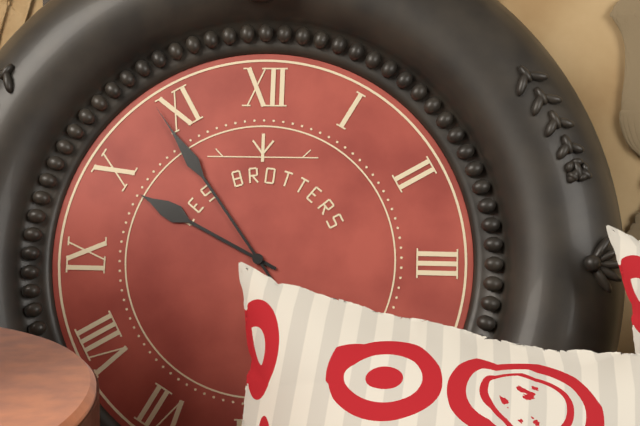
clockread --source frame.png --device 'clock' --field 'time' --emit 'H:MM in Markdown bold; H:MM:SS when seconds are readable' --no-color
**9:54**
